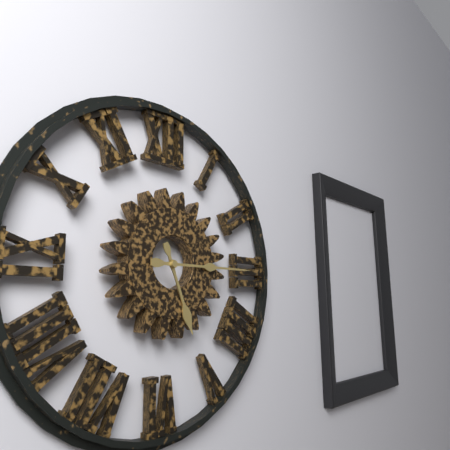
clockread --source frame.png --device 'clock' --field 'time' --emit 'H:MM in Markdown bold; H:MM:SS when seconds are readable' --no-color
**5:15**
